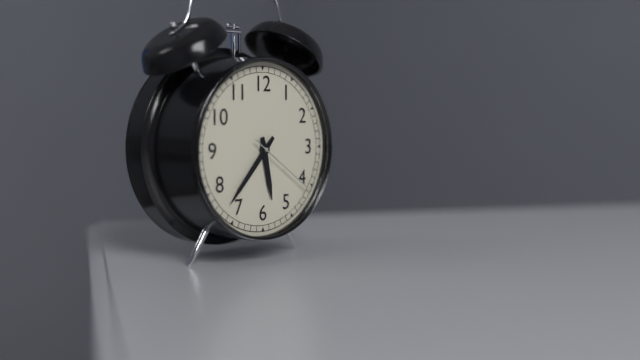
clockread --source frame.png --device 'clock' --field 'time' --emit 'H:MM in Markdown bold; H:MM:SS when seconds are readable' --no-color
**5:37:21**
